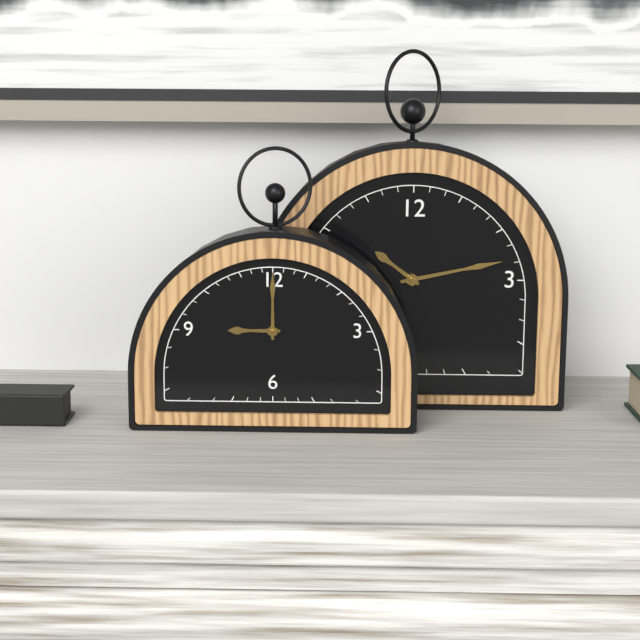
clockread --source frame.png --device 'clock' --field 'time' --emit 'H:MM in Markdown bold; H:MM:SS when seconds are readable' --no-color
**9:00**
